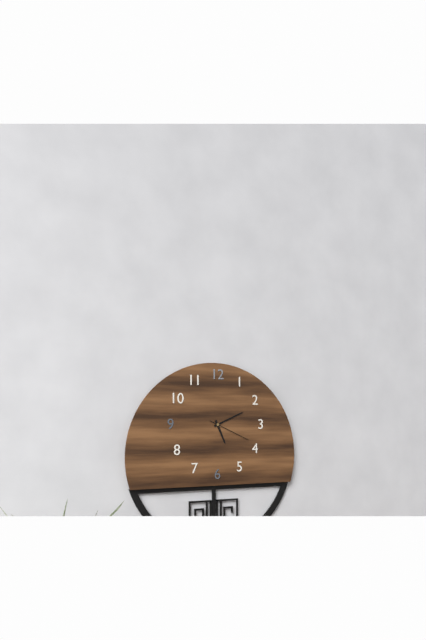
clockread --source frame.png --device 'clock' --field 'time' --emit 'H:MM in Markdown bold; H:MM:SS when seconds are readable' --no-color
**5:11**
